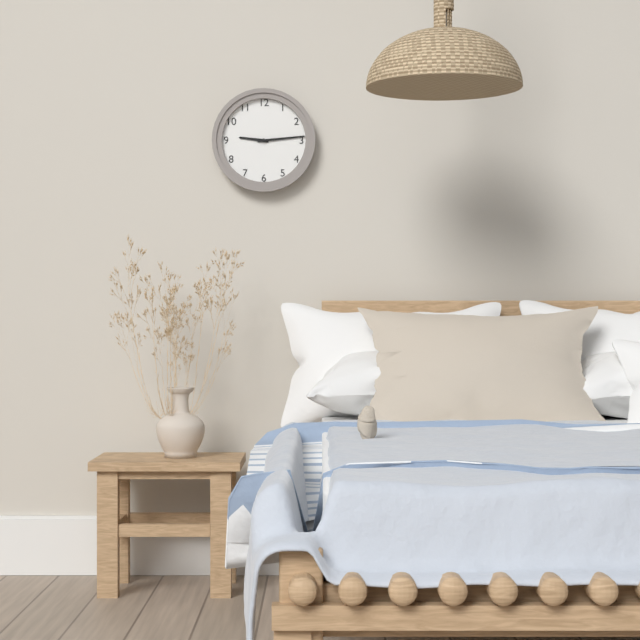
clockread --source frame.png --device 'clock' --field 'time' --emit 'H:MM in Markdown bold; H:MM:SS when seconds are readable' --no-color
**9:14**
